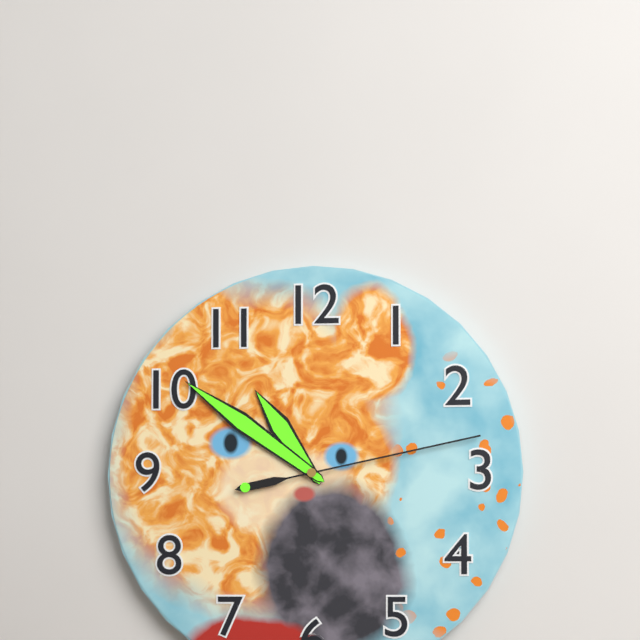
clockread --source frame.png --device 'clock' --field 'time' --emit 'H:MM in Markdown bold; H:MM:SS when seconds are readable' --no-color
**10:51:13**
